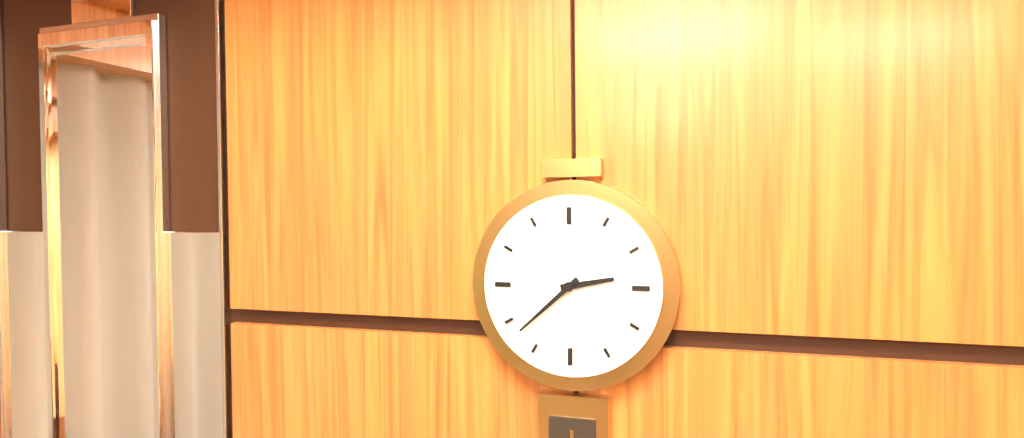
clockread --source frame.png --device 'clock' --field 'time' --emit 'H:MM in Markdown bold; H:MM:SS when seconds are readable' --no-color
**2:38**
